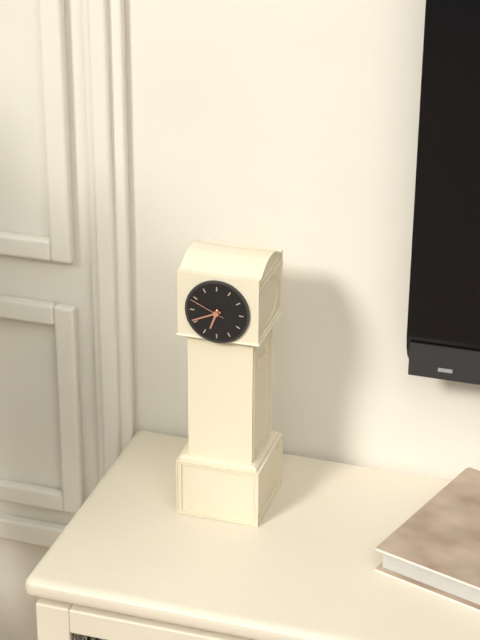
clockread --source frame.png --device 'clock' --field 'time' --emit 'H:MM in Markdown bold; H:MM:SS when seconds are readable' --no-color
**6:41**
